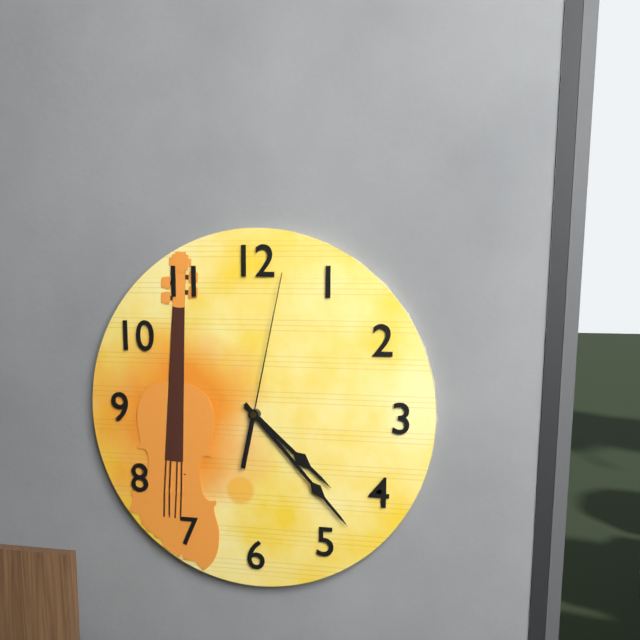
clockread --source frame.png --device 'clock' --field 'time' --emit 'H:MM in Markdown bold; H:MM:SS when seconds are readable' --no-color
**4:23:02**
